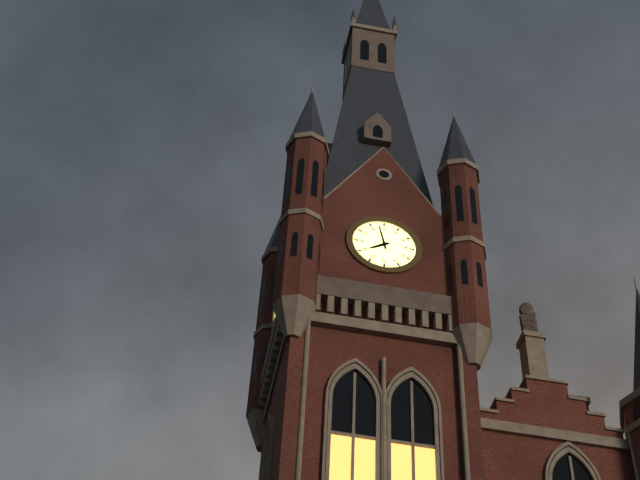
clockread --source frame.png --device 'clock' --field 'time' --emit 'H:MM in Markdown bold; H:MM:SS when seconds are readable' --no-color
**7:58**
